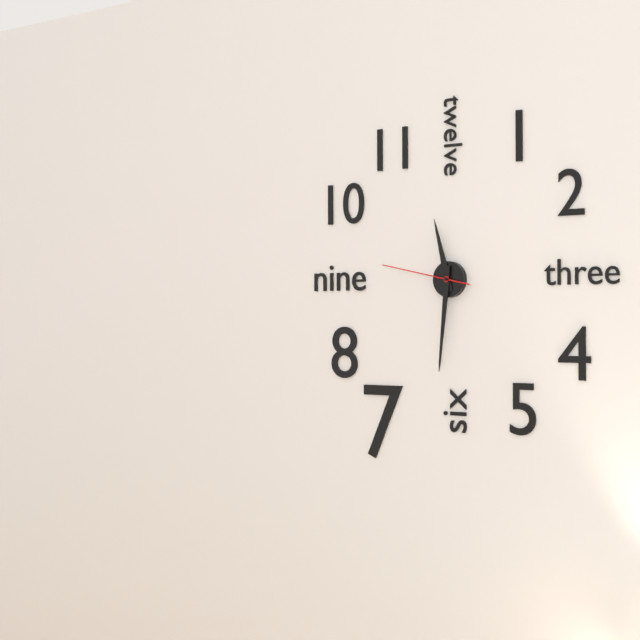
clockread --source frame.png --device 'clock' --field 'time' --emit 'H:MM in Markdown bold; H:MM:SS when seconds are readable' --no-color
**11:31:47**
